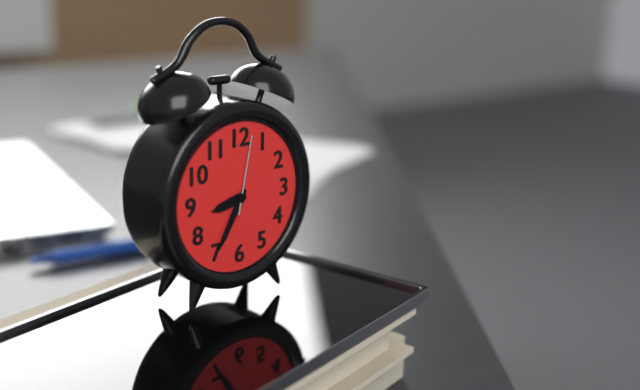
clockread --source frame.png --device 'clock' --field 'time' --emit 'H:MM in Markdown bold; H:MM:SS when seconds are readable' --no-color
**8:35:02**
